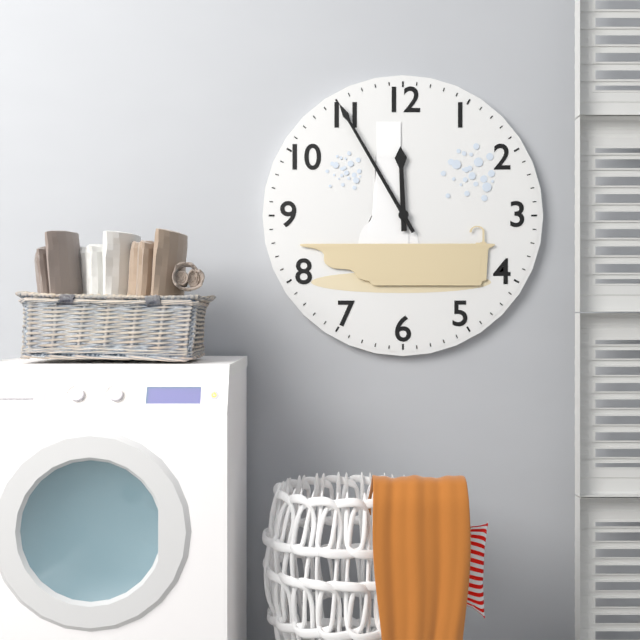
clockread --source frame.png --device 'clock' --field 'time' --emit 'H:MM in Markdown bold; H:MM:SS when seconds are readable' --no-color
**11:55**
